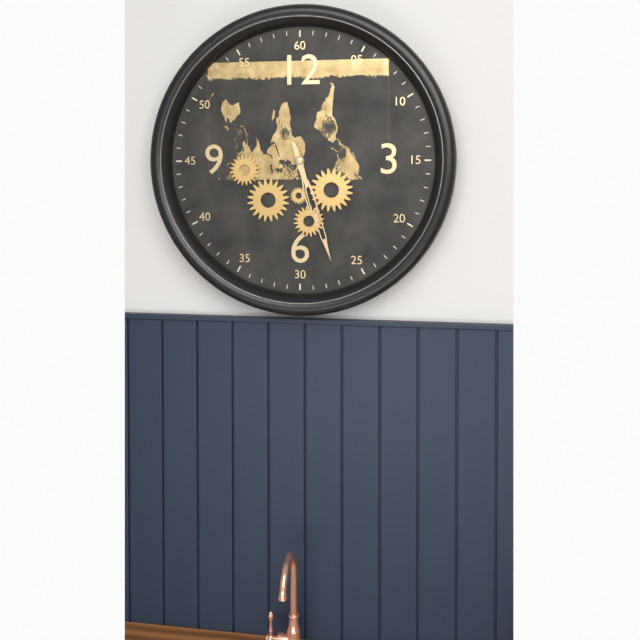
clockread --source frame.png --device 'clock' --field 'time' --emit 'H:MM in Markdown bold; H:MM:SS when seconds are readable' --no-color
**5:27**
